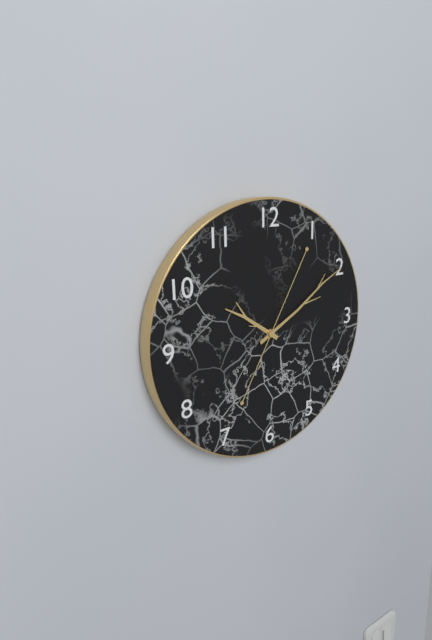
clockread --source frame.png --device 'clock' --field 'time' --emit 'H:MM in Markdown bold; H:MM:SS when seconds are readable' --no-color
**10:10:05**
